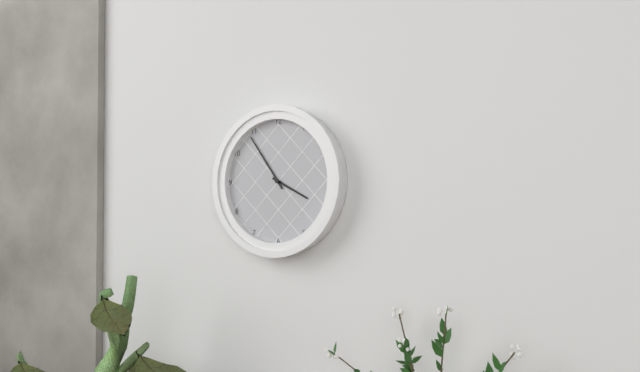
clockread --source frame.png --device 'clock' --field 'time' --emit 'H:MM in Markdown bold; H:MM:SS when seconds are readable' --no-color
**3:54**
